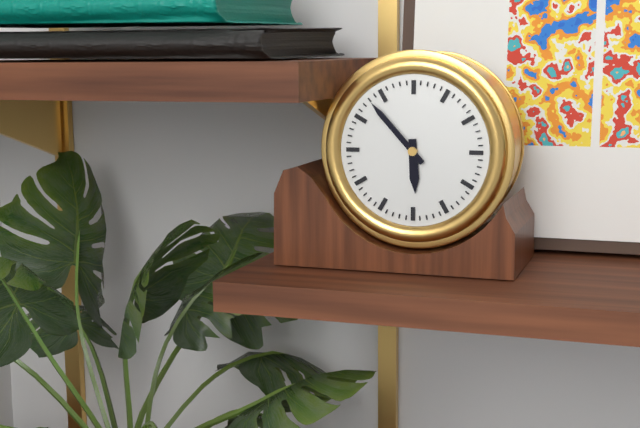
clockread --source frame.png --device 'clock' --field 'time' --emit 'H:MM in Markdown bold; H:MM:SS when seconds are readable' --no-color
**5:53**
